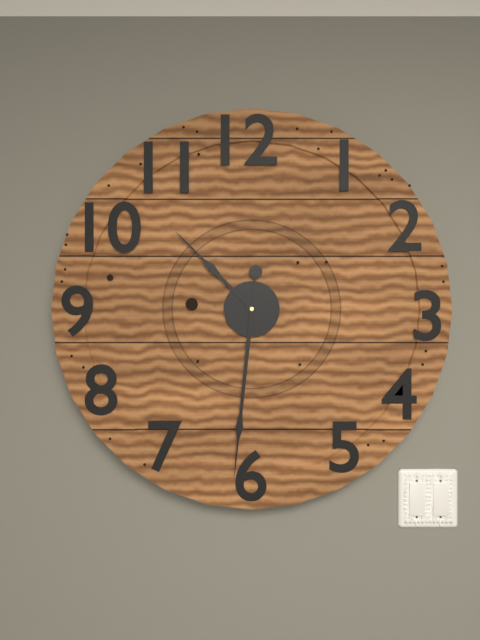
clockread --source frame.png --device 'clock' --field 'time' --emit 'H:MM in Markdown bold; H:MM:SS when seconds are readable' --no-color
**10:31**
